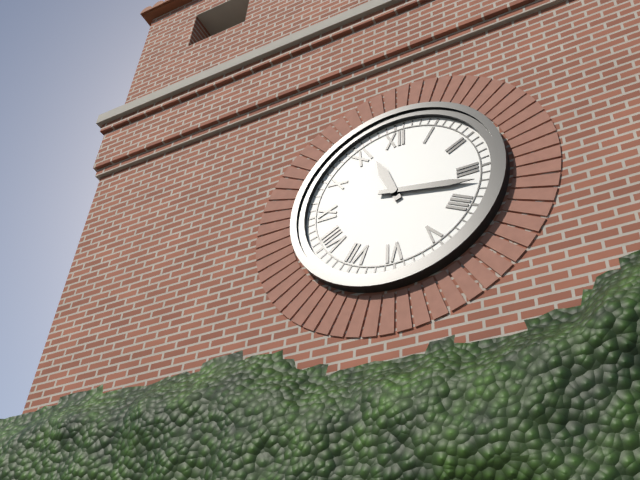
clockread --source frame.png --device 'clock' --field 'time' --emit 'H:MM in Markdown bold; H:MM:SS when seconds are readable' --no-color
**11:17**
